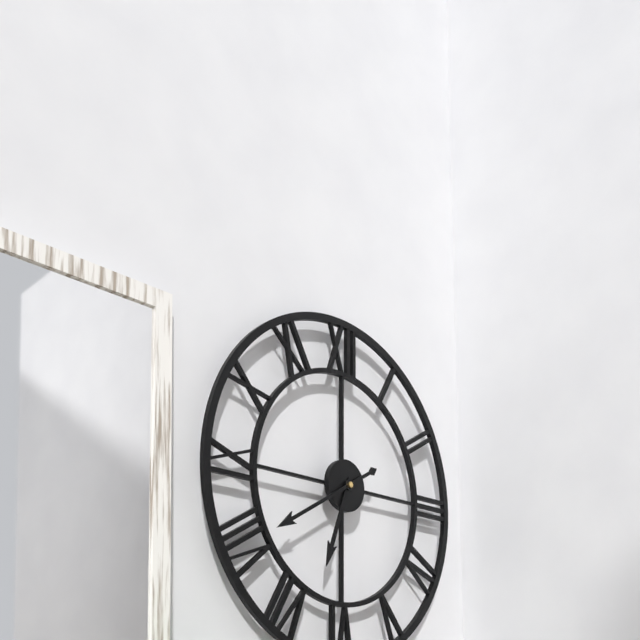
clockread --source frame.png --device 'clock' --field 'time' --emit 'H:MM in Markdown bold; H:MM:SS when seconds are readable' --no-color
**6:40**
